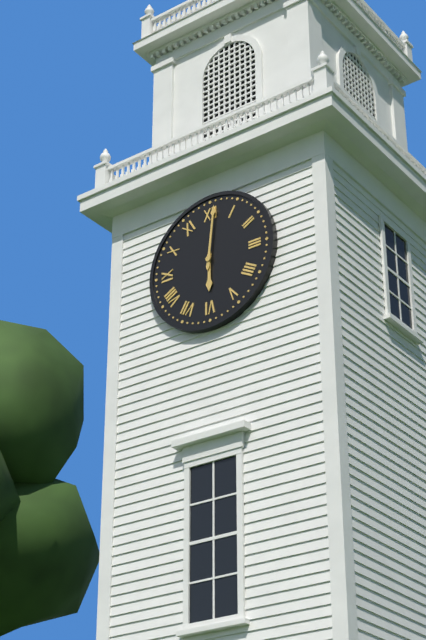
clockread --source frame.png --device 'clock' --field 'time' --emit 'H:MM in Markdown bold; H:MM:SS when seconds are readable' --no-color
**6:01**
